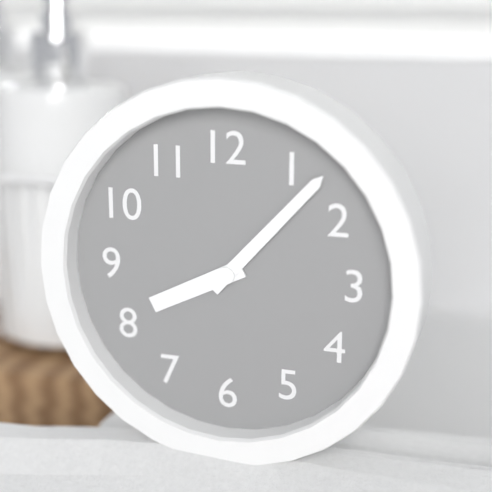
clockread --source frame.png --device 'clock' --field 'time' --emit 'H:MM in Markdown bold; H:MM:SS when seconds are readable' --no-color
**8:07**
